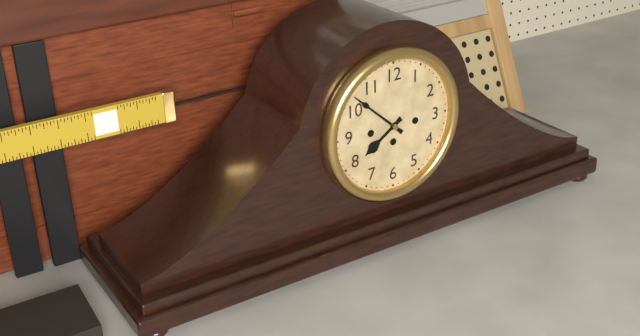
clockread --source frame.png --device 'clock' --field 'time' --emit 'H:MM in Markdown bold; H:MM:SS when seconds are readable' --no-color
**7:52**
